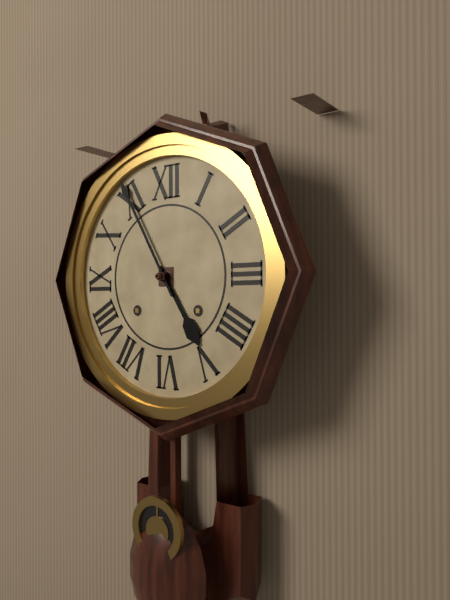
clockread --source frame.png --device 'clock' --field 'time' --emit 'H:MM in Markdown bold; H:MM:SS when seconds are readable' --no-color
**4:55**
